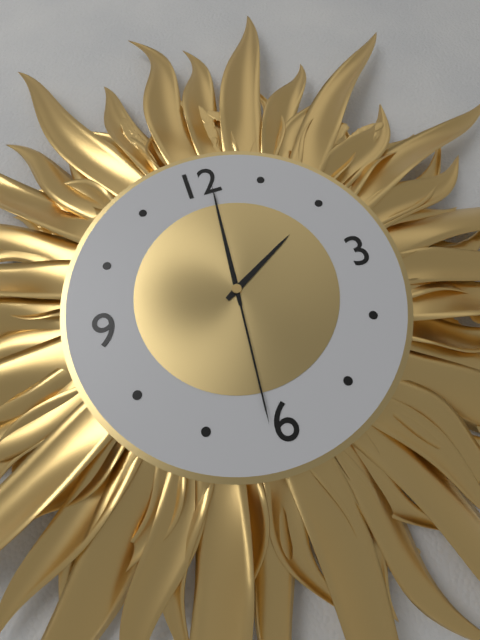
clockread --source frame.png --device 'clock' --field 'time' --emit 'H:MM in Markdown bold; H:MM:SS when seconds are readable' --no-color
**2:01:31**
